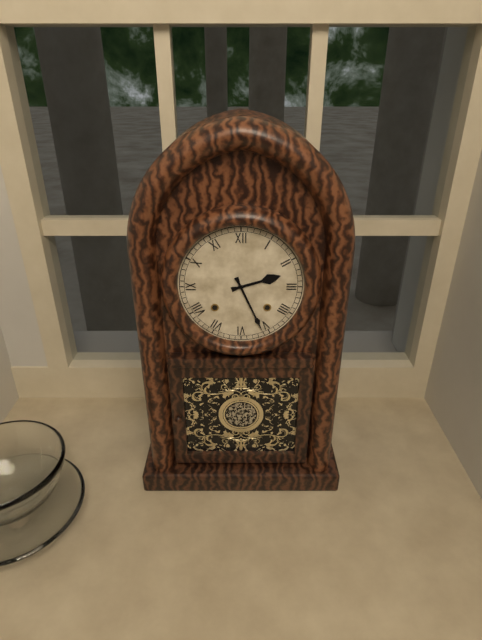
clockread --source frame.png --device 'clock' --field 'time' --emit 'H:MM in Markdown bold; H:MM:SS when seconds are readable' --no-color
**2:26**
